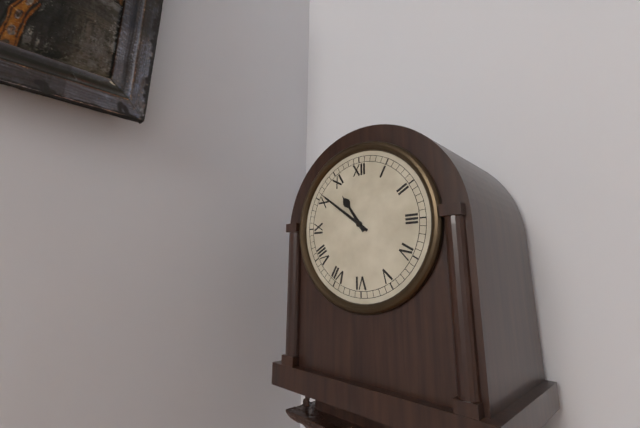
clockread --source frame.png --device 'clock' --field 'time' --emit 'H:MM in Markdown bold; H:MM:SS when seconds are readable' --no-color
**10:51**
